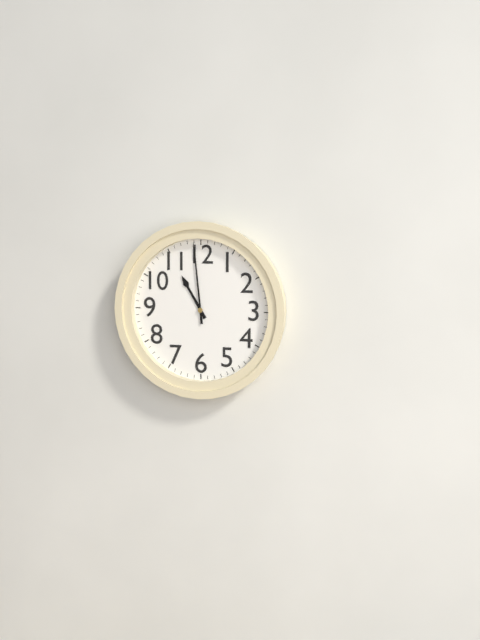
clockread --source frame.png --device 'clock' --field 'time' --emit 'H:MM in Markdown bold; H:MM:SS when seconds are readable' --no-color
**10:59**
